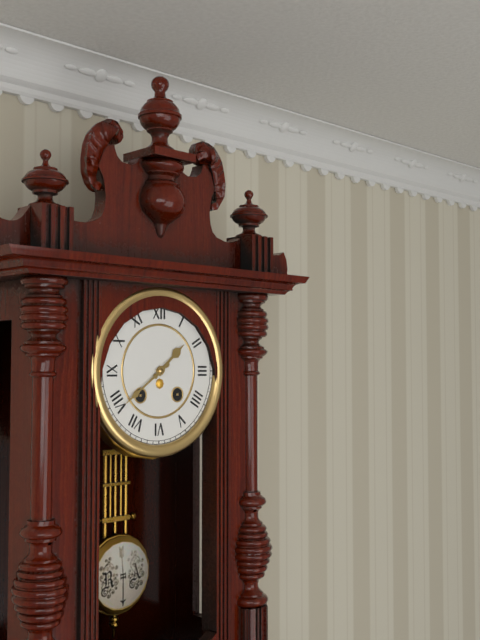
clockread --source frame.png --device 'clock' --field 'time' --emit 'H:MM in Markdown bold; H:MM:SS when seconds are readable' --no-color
**1:39**
